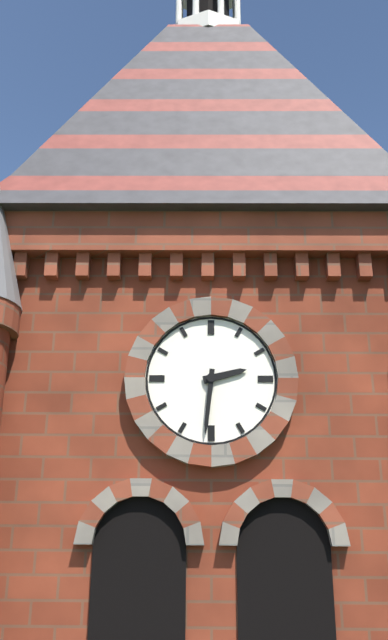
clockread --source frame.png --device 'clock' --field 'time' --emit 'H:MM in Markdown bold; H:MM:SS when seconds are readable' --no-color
**2:31**
